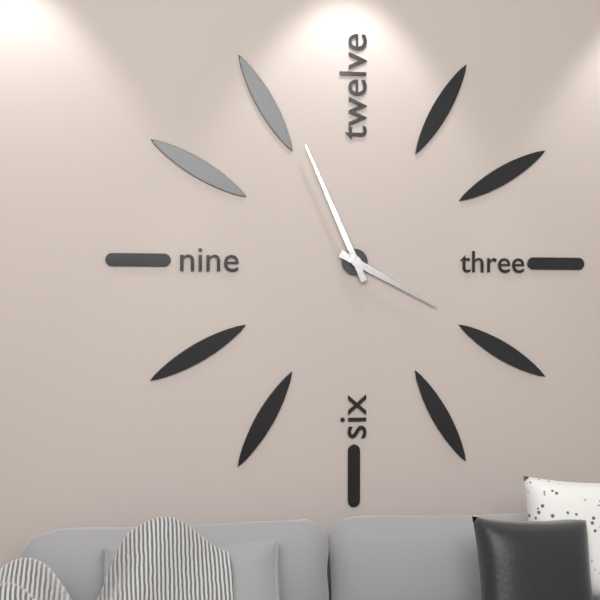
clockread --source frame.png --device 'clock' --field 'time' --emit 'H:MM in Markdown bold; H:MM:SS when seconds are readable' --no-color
**3:56**
